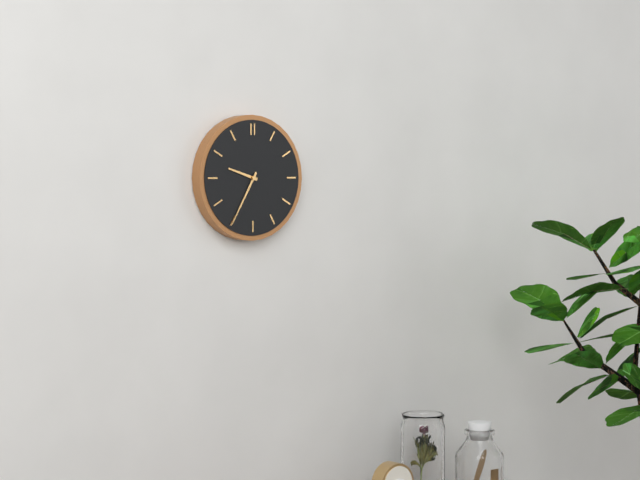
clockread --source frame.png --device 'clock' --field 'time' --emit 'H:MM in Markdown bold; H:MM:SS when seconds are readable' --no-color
**9:35**
